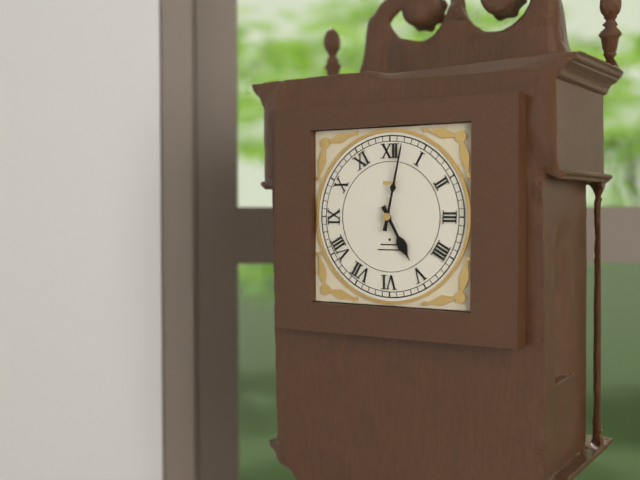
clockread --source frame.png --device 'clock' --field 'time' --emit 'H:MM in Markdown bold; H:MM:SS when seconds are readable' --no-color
**5:02**
